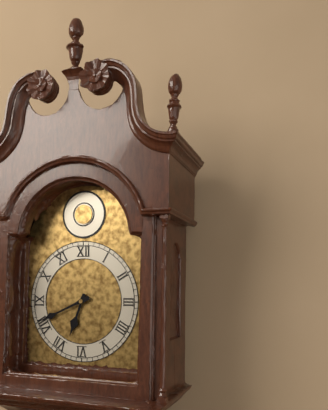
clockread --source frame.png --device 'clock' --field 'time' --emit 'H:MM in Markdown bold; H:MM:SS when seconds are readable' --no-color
**6:41**
